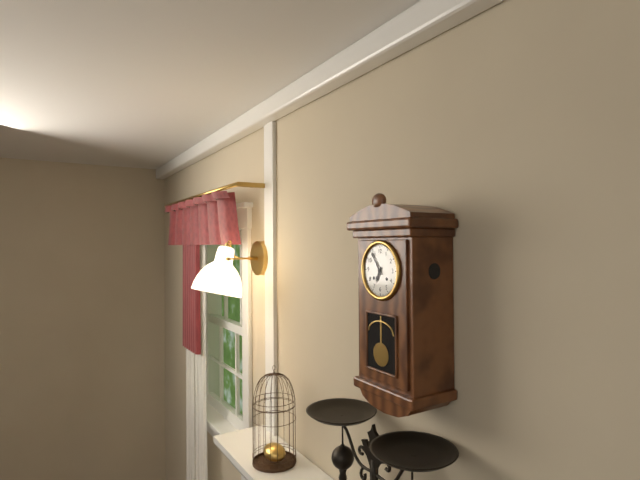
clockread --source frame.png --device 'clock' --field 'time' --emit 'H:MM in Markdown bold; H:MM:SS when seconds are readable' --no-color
**6:54**
